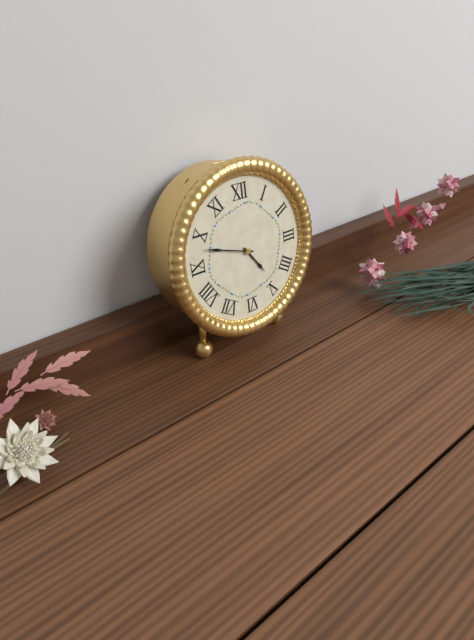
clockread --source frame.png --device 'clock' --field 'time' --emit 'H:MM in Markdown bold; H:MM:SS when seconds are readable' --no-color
**4:48**
